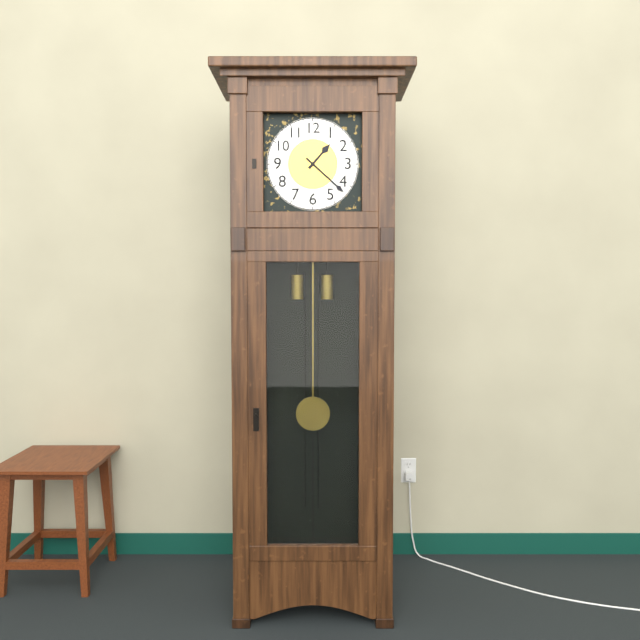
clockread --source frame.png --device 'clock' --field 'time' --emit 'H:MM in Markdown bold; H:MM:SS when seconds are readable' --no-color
**1:22**
